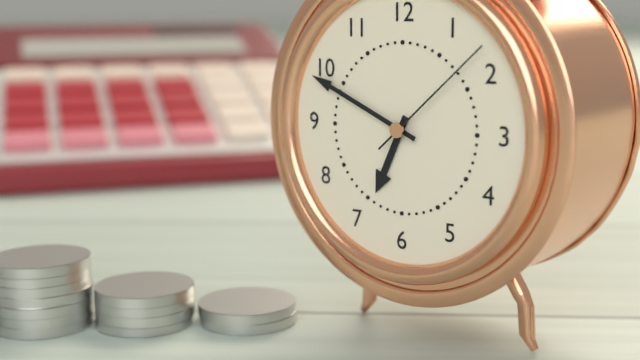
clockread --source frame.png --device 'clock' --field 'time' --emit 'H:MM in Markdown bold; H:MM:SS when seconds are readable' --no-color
**6:49:08**
